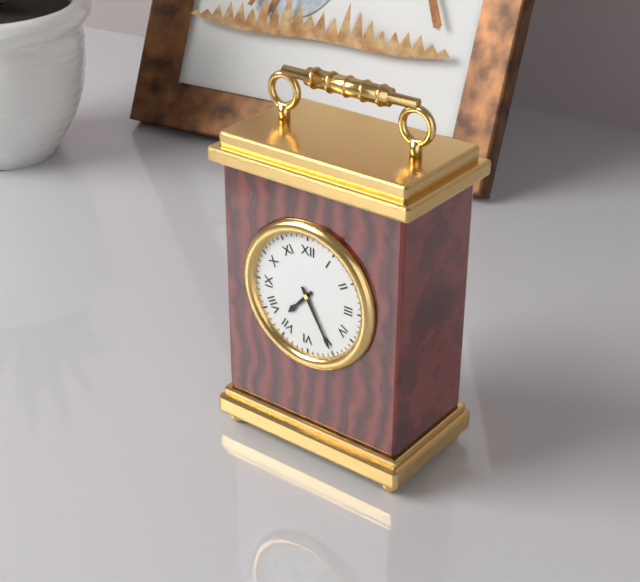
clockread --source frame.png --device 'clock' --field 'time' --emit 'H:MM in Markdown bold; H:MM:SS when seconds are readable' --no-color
**7:25**
